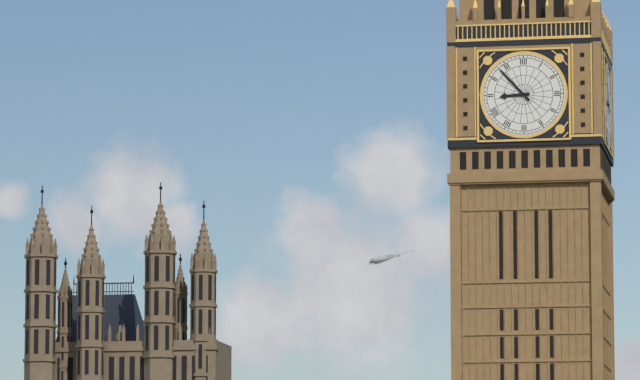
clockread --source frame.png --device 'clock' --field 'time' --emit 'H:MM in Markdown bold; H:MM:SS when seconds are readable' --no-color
**8:53**
